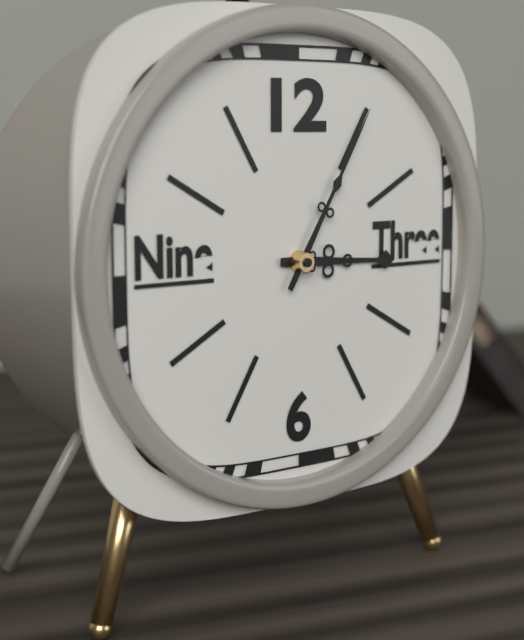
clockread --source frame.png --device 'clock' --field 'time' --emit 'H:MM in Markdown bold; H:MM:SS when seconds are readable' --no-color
**3:05**
